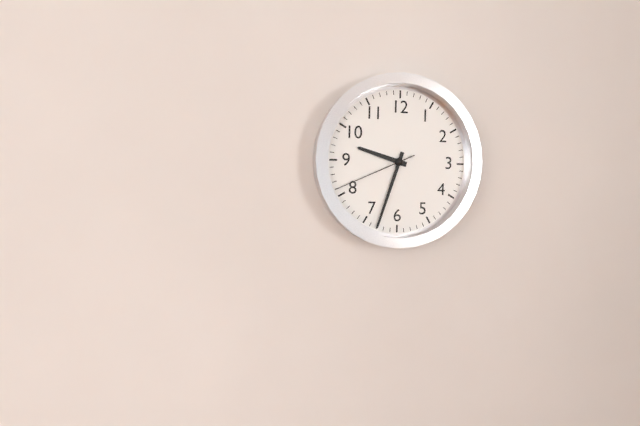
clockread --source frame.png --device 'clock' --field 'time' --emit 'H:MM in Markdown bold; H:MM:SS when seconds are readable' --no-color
**9:33:41**
